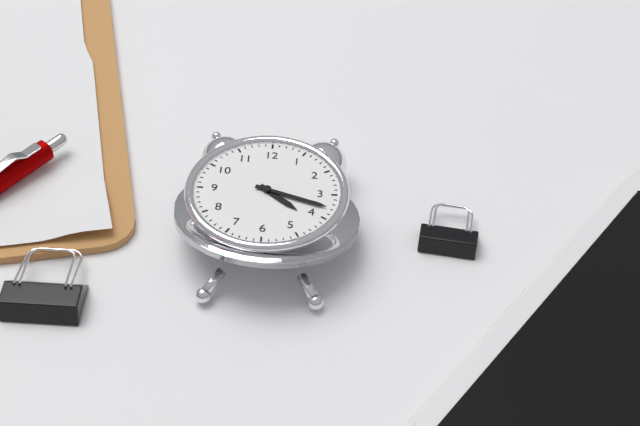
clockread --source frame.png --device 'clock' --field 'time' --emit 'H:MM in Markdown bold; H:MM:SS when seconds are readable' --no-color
**4:18**
